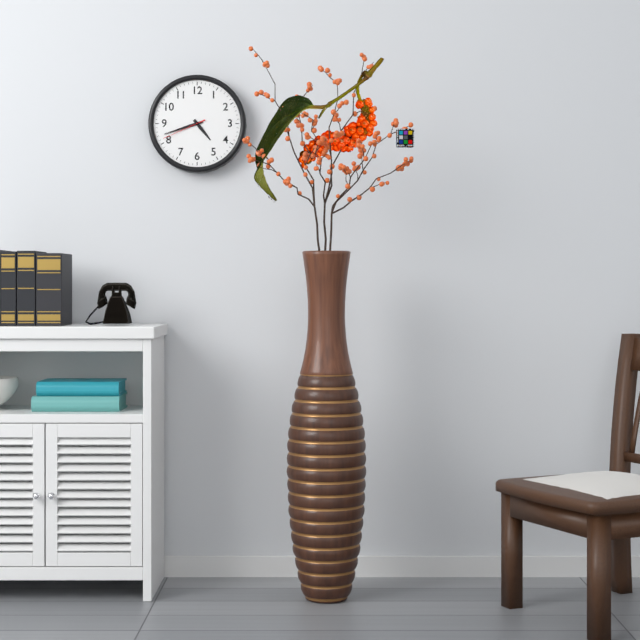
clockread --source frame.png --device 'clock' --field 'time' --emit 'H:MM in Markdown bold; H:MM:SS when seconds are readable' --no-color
**4:42**
